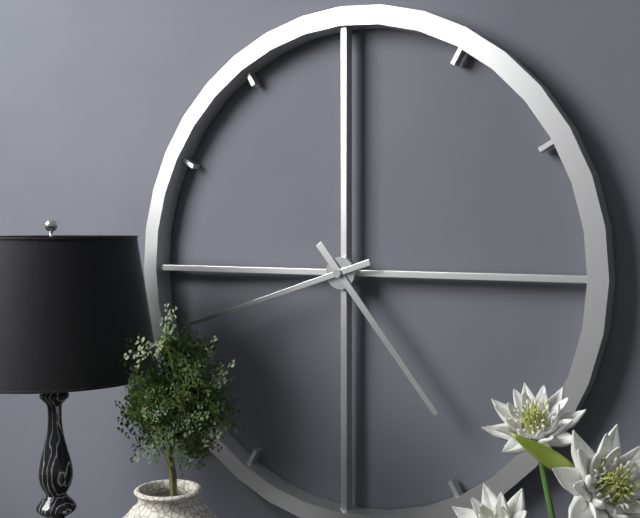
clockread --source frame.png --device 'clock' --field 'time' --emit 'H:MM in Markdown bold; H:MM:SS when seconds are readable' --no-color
**4:42**
